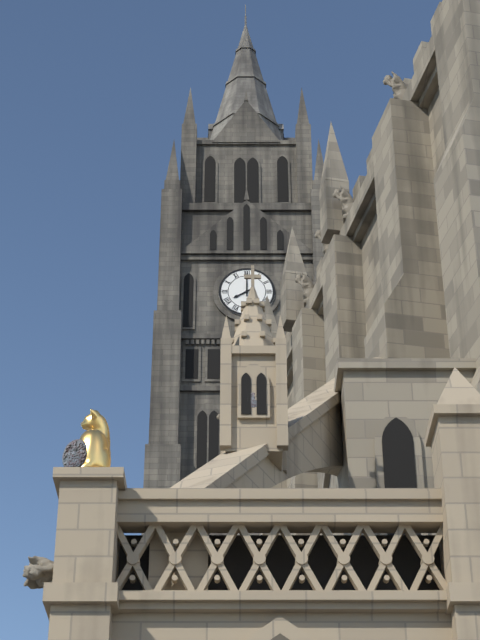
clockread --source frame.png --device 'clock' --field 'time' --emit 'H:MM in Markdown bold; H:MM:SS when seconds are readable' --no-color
**8:00**
